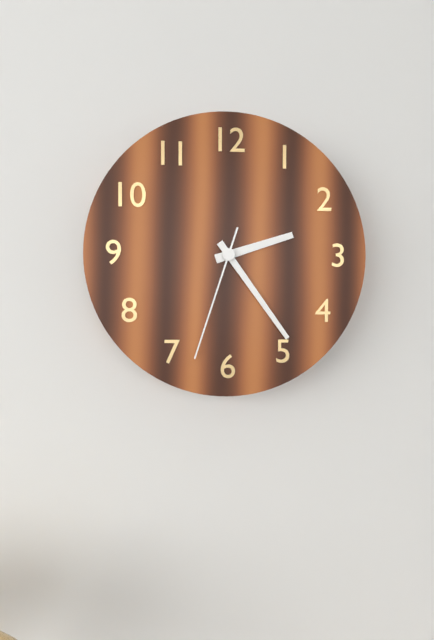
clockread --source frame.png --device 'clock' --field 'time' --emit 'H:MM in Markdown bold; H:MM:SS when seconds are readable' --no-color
**2:24:33**
